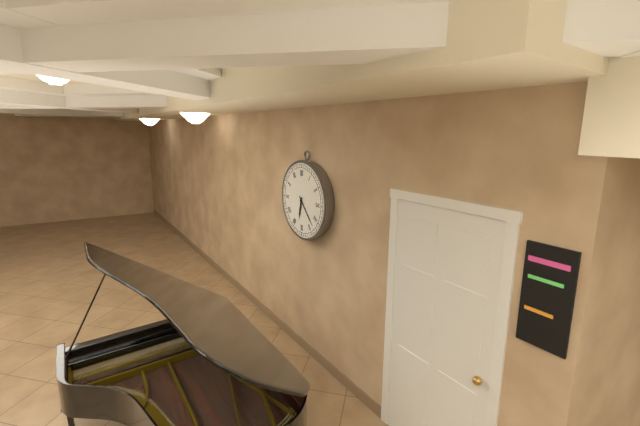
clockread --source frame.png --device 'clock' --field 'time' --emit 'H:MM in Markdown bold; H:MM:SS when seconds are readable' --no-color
**6:23**
